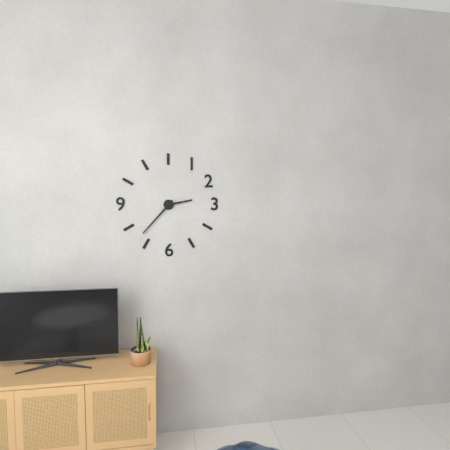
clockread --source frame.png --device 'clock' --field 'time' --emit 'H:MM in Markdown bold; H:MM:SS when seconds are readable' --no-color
**2:37**
